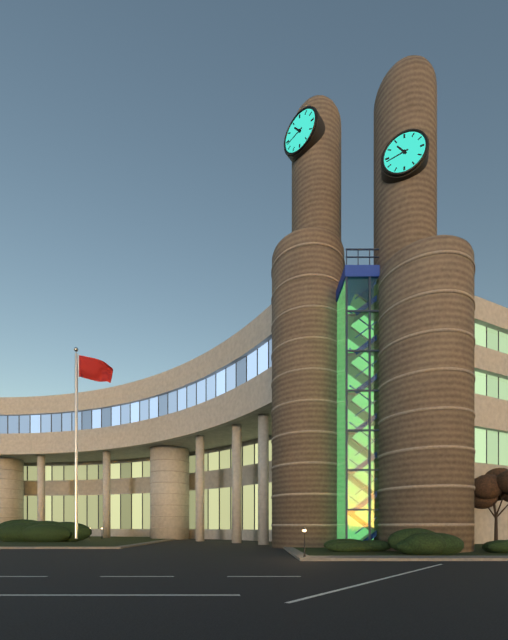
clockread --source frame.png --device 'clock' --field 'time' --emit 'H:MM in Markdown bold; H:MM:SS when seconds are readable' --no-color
**10:43**
